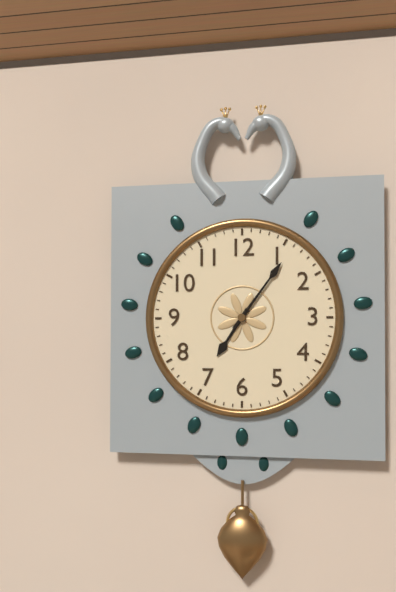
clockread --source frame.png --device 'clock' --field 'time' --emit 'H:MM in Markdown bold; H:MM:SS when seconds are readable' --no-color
**7:06**
